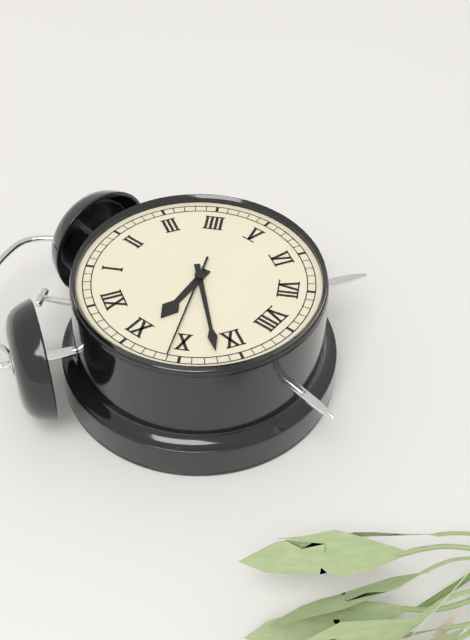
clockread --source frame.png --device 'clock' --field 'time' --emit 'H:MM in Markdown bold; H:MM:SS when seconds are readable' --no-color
**10:47:51**
